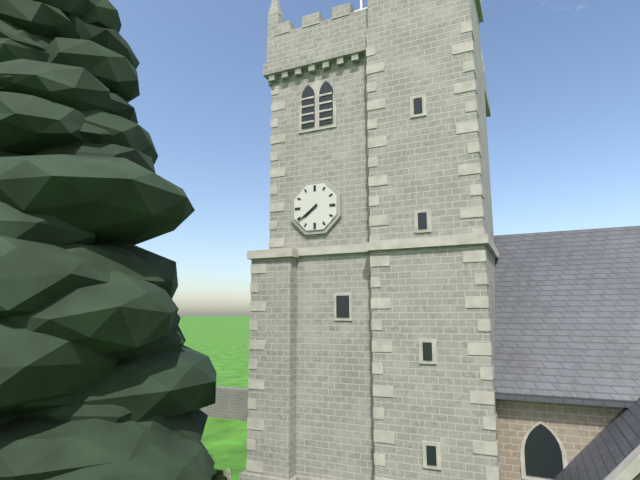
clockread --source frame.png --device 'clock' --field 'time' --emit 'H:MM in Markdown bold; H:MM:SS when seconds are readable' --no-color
**7:39**
